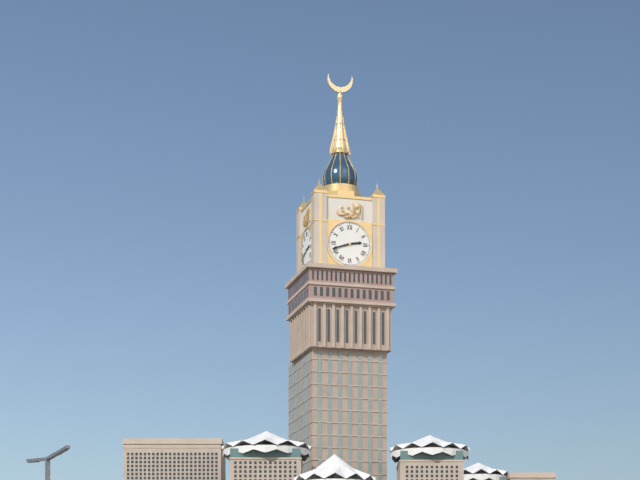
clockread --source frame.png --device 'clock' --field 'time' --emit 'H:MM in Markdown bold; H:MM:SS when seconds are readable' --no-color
**2:42**
